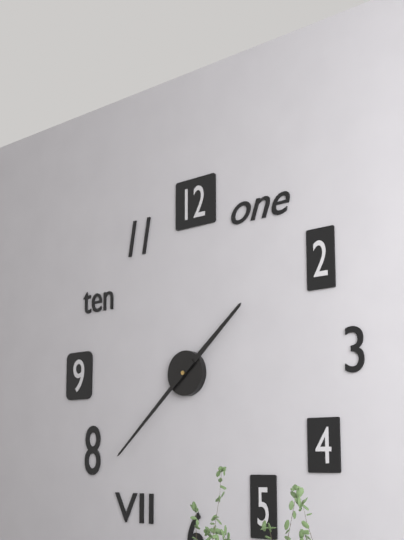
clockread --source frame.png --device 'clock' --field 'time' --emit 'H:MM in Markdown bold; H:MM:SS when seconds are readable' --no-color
**1:38**
